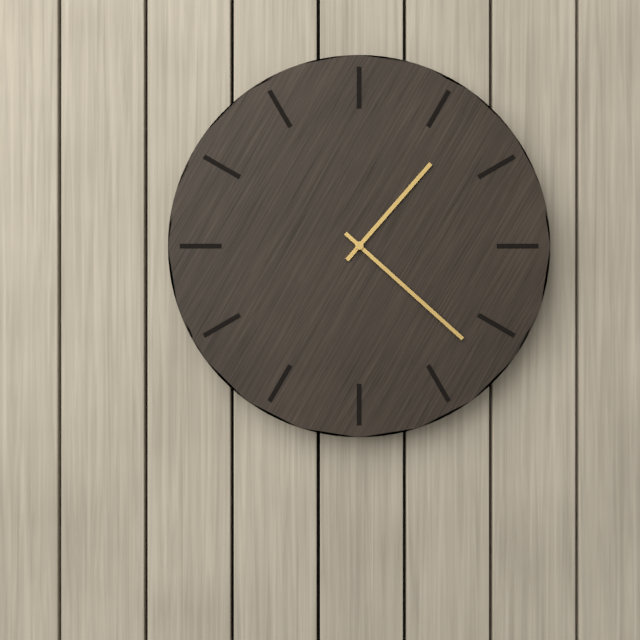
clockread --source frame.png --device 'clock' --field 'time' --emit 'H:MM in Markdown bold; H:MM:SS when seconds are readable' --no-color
**1:22**
